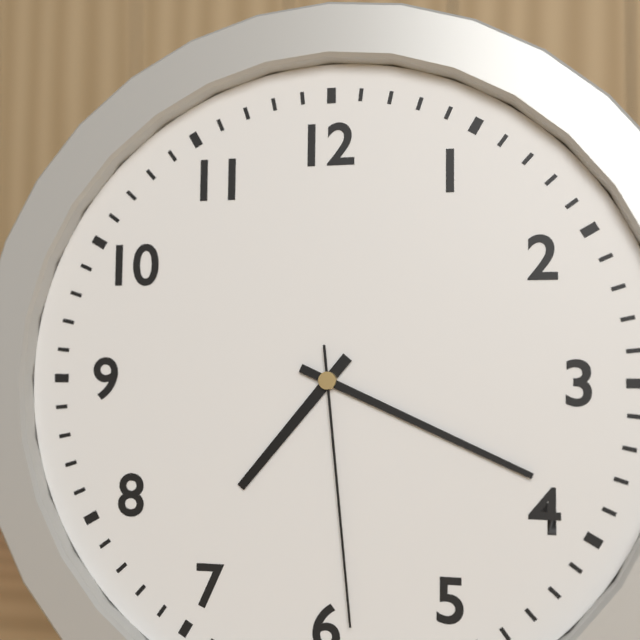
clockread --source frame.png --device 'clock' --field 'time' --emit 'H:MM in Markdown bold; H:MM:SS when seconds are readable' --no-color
**7:19:29**
